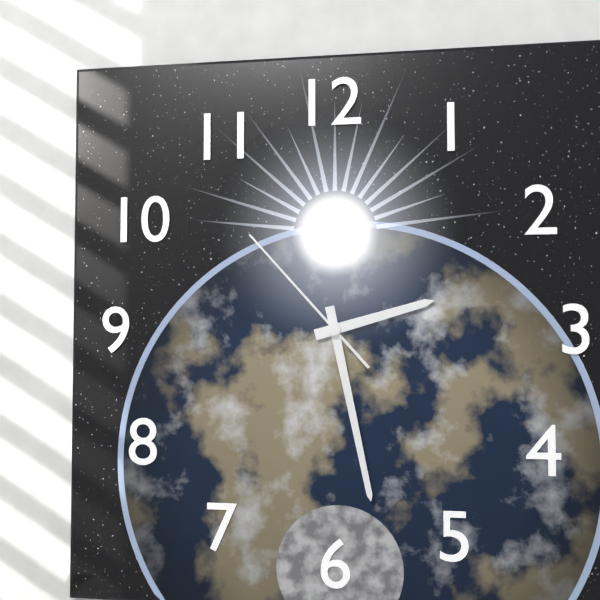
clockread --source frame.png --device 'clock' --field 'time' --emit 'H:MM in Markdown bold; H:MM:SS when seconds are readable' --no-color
**2:28:53**
